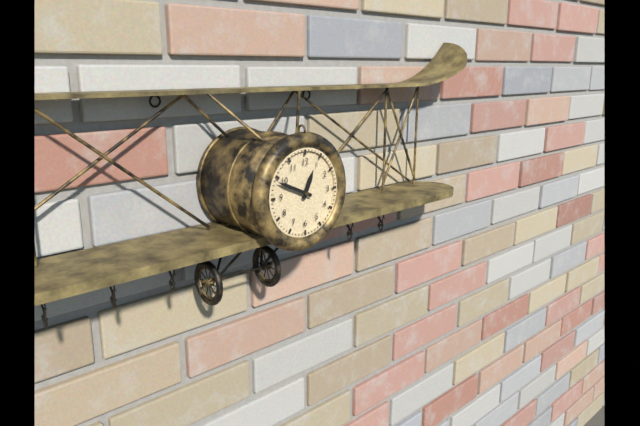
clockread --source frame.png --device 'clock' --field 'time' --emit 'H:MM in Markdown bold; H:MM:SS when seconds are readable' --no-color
**12:49**
